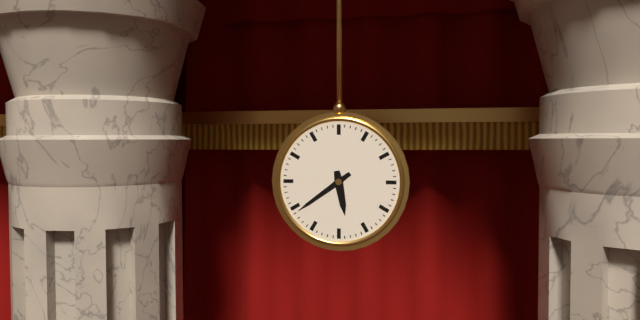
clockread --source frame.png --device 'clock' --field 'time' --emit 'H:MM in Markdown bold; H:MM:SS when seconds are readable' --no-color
**5:39**
